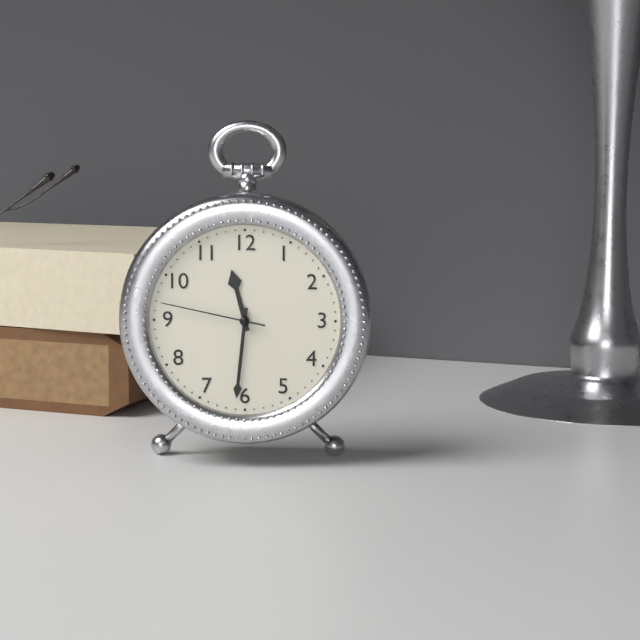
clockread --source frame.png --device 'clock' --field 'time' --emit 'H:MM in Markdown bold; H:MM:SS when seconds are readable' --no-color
**11:31:47**
